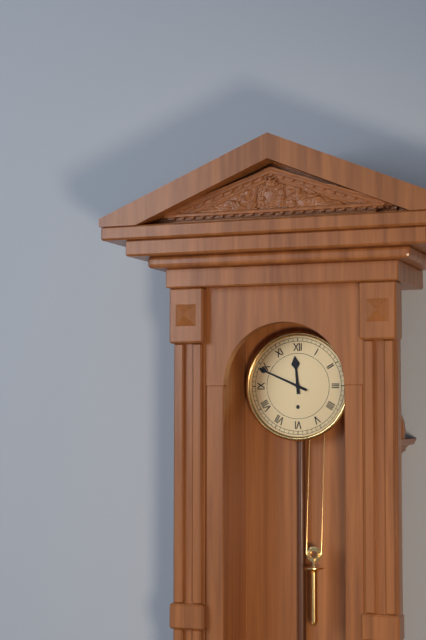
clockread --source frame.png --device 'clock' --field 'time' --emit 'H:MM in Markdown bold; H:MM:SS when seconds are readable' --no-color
**11:49**
